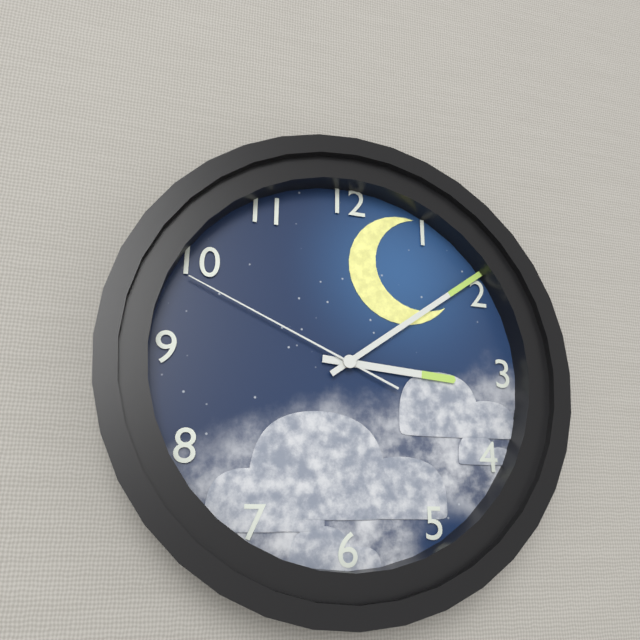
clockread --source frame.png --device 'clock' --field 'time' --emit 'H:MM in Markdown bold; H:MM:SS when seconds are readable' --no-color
**3:09:49**
